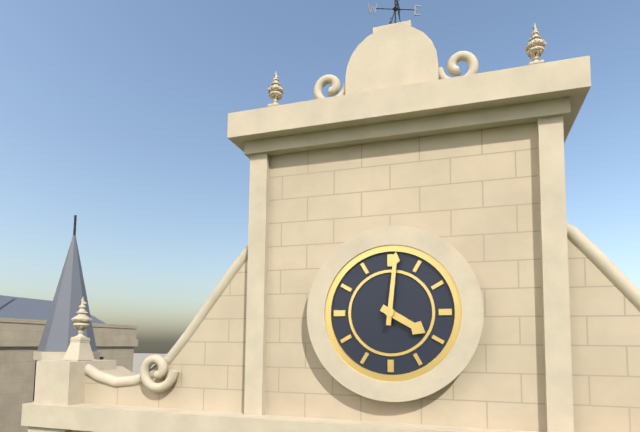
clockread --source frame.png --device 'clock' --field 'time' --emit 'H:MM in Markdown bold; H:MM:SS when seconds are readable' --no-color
**4:01**
